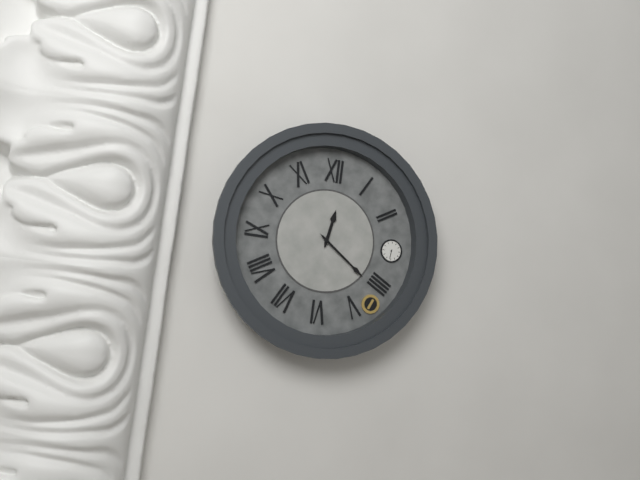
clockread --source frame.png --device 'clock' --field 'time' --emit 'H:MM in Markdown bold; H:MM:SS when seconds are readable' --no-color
**12:21**
